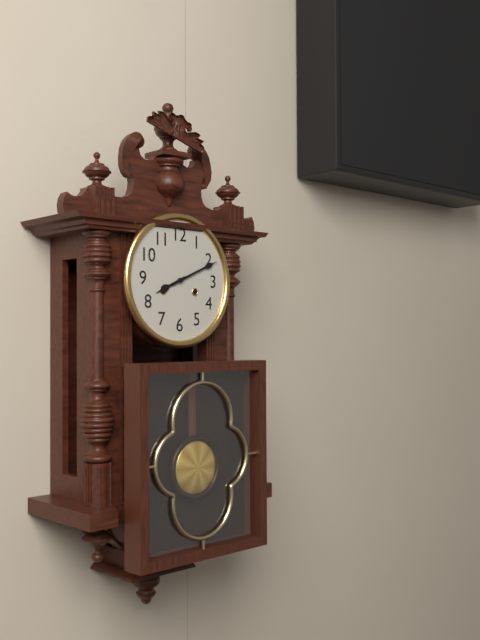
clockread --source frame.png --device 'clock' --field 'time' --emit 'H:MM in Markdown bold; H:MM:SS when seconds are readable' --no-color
**8:11**
